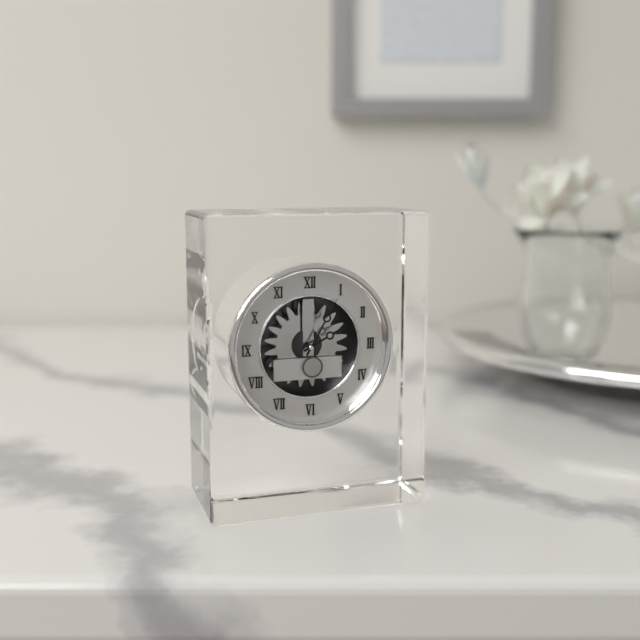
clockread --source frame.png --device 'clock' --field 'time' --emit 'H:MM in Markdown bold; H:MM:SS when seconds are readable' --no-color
**2:05**
